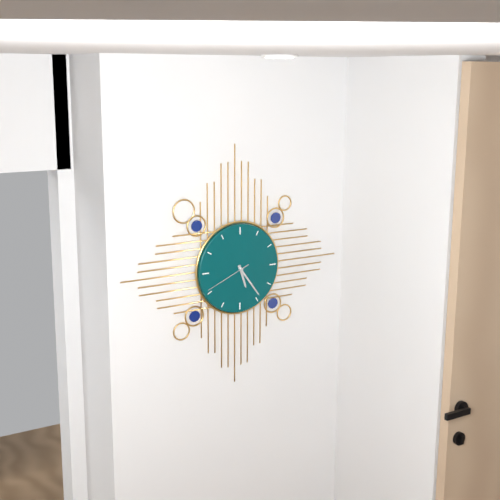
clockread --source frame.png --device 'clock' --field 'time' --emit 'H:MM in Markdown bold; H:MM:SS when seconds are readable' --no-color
**5:24**
